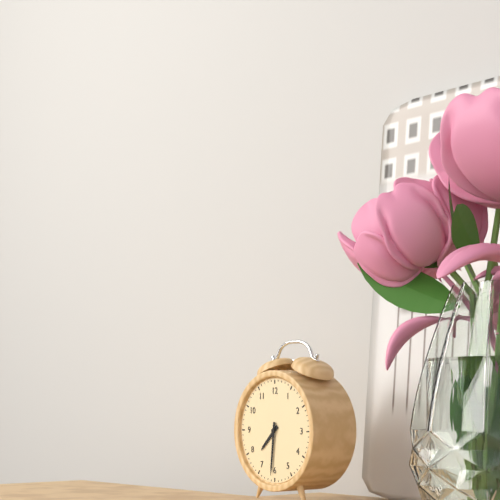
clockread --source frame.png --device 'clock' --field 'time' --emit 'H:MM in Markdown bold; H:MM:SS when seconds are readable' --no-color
**7:31**
